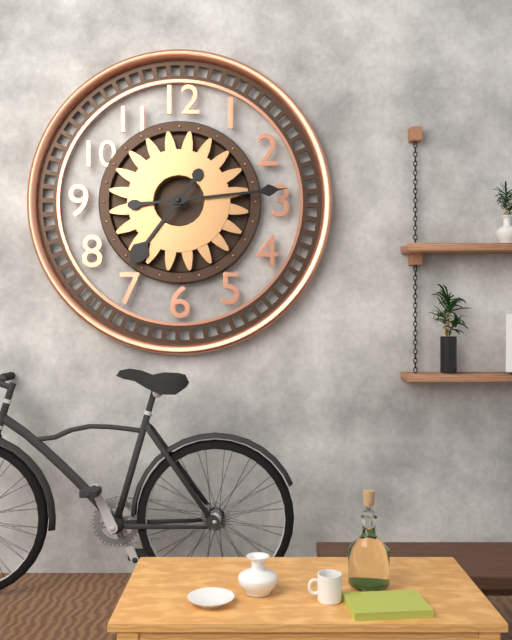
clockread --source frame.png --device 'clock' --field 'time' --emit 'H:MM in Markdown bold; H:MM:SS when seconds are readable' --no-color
**7:14**
